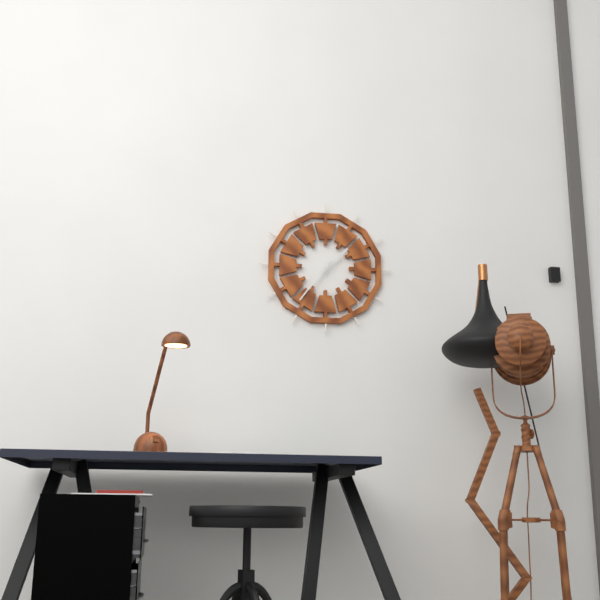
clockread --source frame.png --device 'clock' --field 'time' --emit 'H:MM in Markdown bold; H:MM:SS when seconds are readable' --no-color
**1:36**
